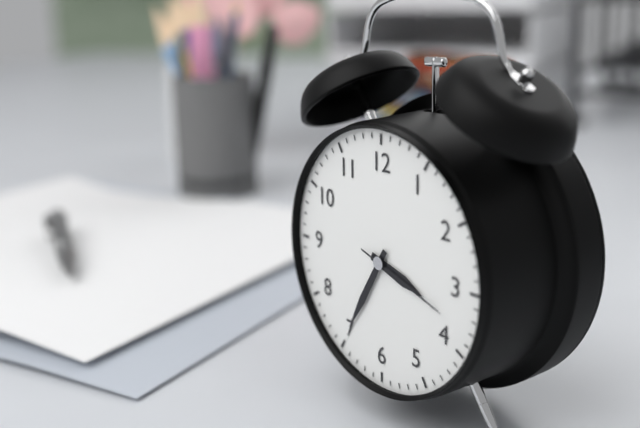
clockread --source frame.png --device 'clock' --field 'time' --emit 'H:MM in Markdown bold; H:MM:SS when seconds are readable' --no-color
**3:35:18**
